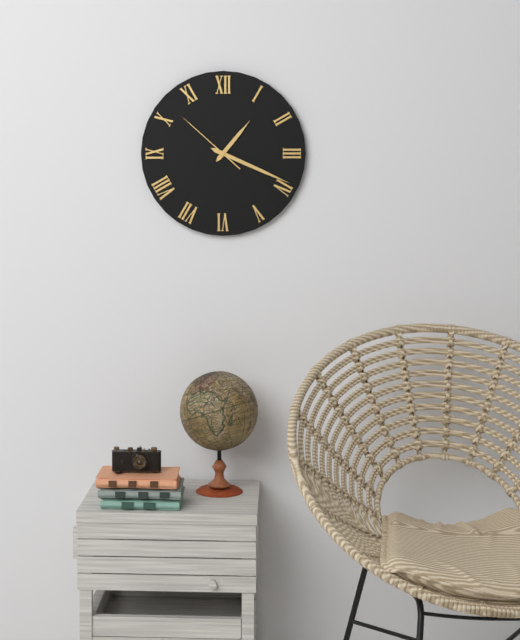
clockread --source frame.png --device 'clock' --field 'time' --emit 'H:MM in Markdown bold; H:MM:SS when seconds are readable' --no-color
**1:19:52**
